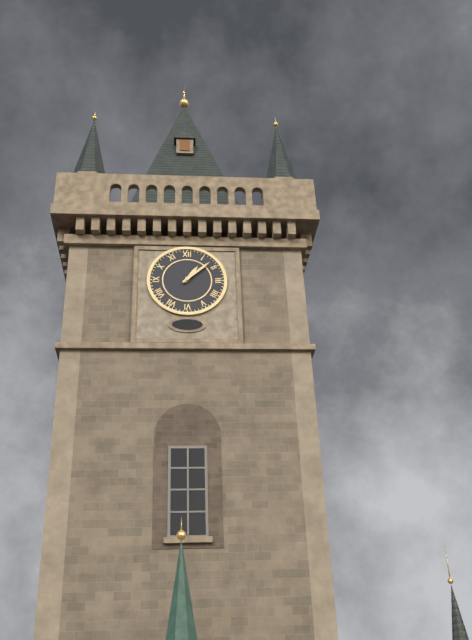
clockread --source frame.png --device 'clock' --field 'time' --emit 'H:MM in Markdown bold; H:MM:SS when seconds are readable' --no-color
**1:08**
